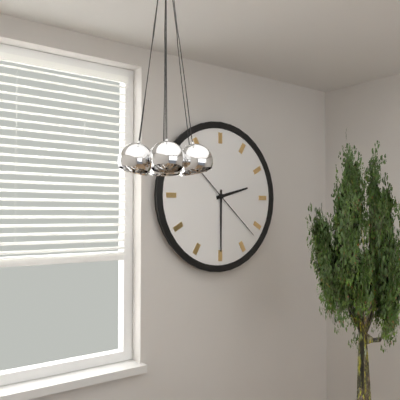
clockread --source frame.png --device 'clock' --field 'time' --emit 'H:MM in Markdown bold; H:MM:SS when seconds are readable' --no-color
**2:30:22**
